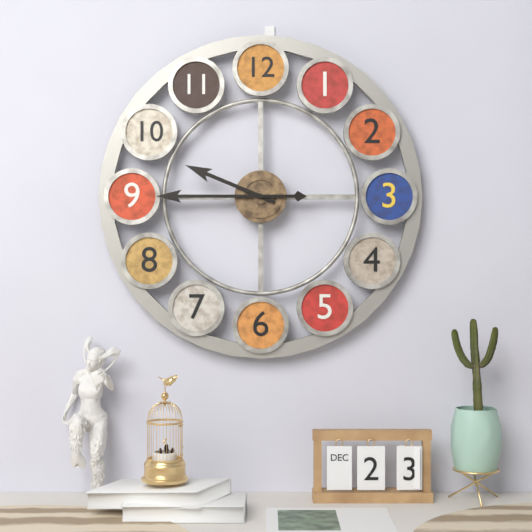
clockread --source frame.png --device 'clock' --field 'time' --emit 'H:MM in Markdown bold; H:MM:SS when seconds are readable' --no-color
**9:45**
